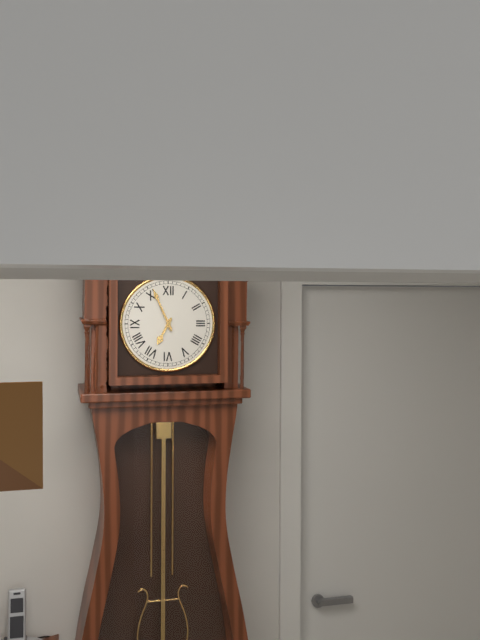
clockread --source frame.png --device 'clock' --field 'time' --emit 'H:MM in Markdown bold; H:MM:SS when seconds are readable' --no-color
**6:56**
